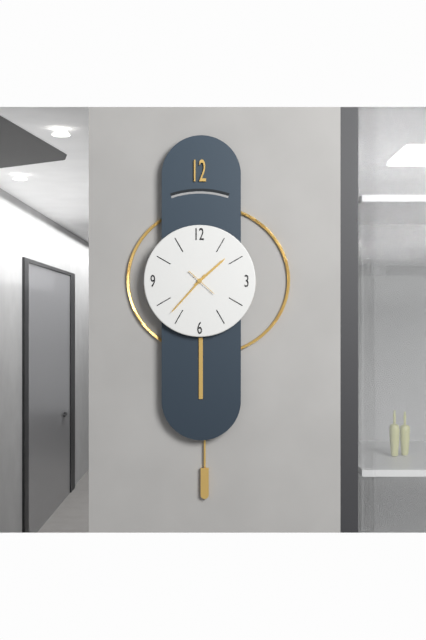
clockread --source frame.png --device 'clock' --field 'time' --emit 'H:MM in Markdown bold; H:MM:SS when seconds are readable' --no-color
**1:37**
